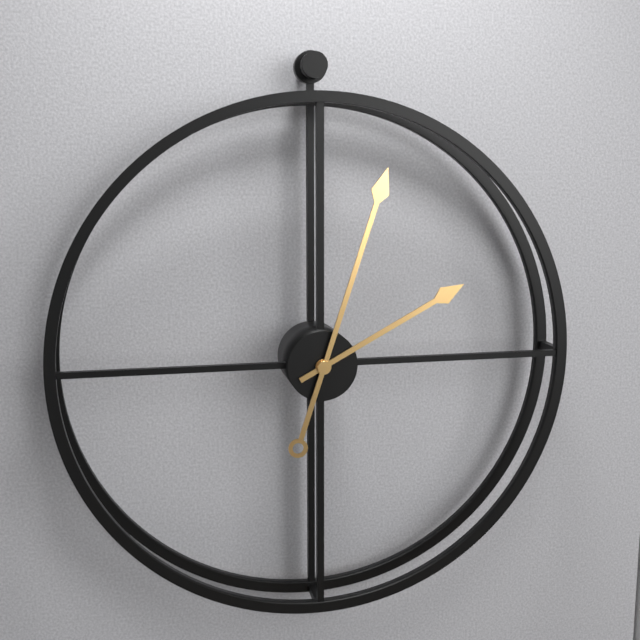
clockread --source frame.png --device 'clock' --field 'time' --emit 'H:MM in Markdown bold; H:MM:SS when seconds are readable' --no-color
**2:03**
